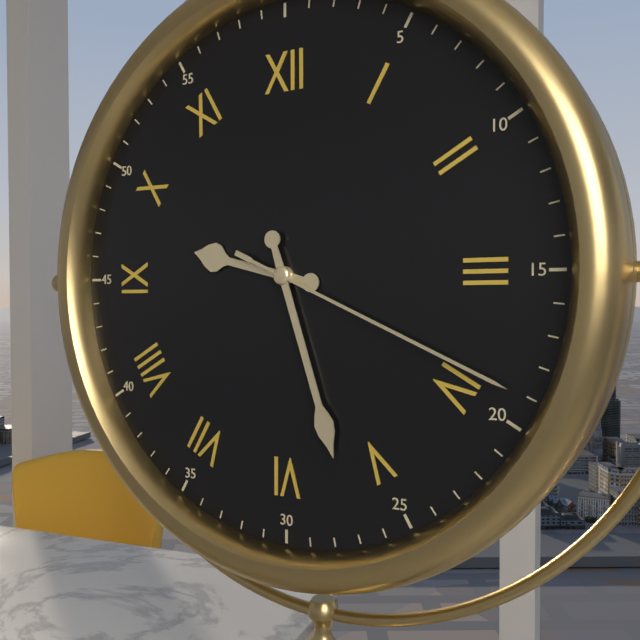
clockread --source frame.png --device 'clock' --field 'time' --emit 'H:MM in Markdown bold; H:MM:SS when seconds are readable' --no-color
**9:27:19**
